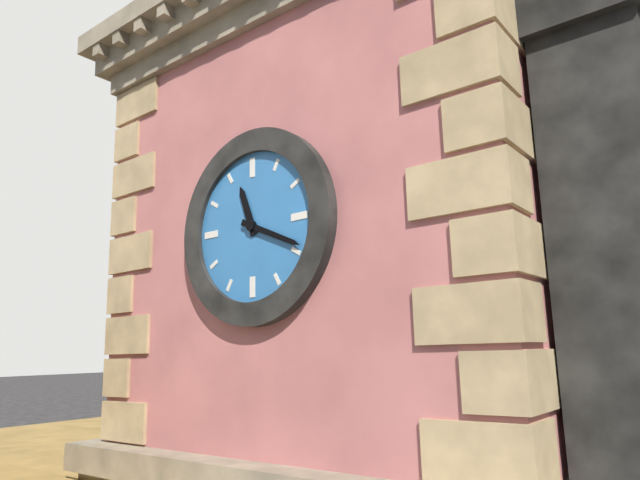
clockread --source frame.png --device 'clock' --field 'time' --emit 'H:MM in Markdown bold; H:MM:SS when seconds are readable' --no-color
**11:19**
